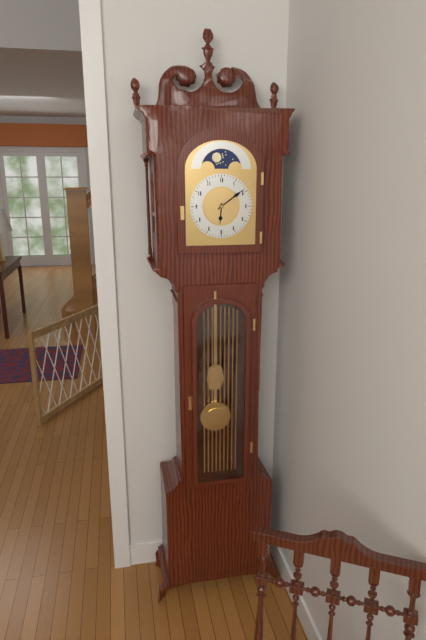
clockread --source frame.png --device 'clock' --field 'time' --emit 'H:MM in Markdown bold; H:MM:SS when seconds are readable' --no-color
**6:09**
